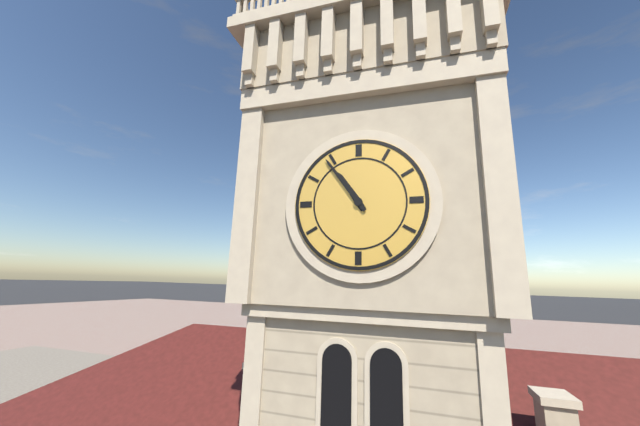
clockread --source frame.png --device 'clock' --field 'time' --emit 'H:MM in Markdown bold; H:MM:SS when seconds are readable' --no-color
**10:54**
